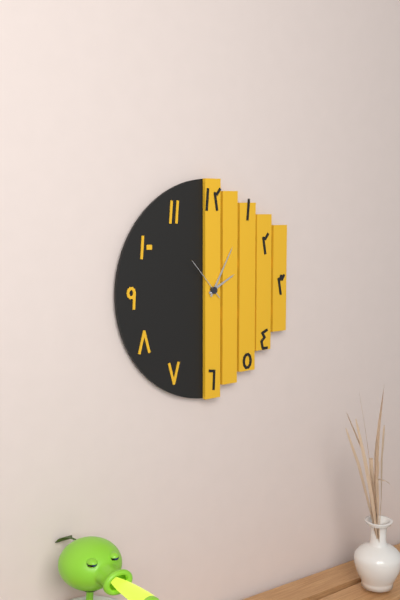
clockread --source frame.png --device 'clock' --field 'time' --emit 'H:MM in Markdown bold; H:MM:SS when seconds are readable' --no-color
**2:05**
